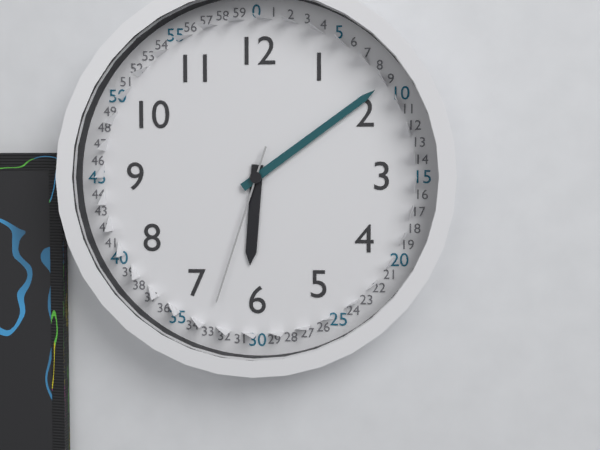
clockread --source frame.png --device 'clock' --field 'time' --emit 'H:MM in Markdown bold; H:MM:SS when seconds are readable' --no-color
**6:09:33**
